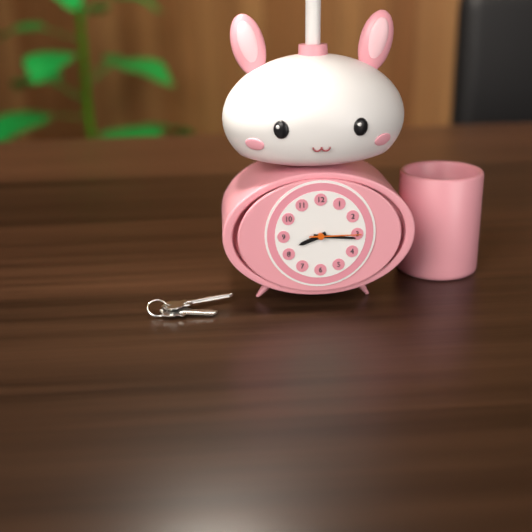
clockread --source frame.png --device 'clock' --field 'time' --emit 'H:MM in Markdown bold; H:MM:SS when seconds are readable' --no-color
**8:16:15**
